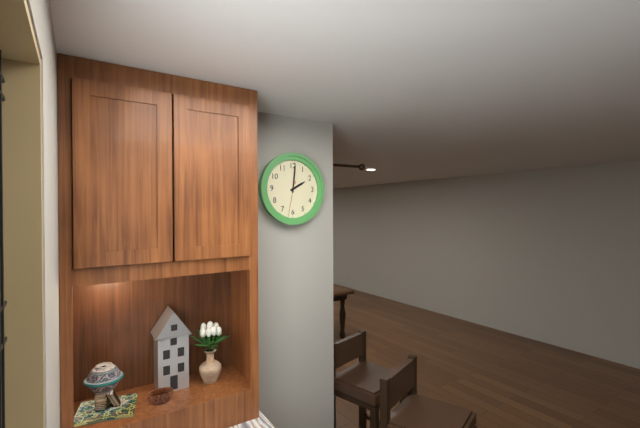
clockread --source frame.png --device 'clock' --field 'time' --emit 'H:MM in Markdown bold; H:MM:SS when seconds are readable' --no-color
**2:01**
